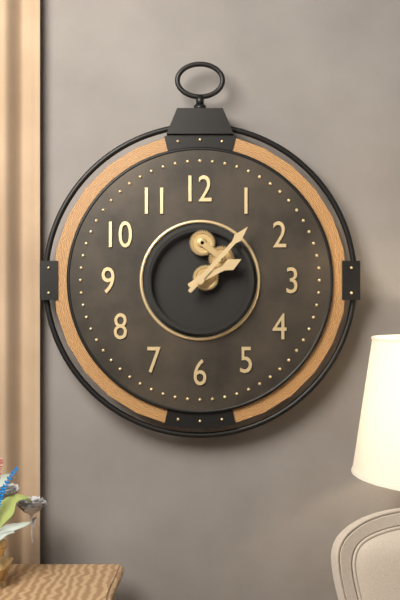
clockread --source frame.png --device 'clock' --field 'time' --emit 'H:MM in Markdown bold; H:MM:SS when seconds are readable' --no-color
**2:07**
